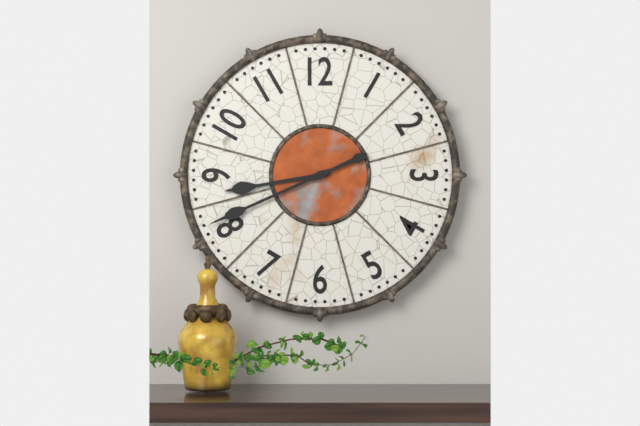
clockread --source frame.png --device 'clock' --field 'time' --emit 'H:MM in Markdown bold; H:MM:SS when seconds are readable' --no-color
**8:41**
